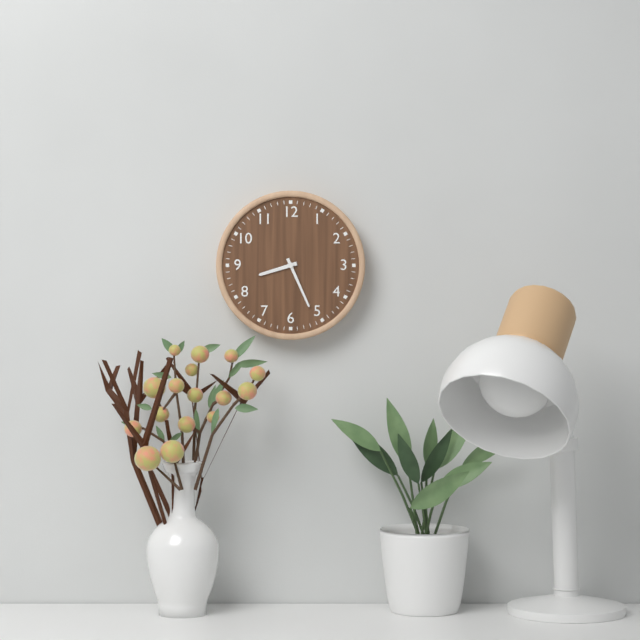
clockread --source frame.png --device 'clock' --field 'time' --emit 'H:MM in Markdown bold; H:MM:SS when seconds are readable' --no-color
**8:26**
